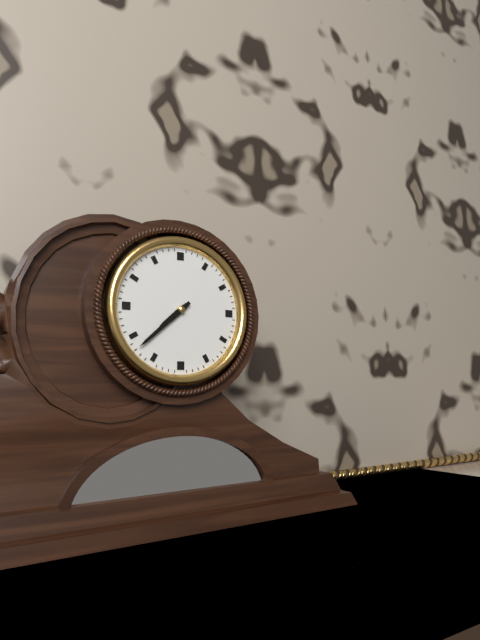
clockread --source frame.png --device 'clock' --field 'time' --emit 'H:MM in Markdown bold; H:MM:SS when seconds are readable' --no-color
**7:38**
